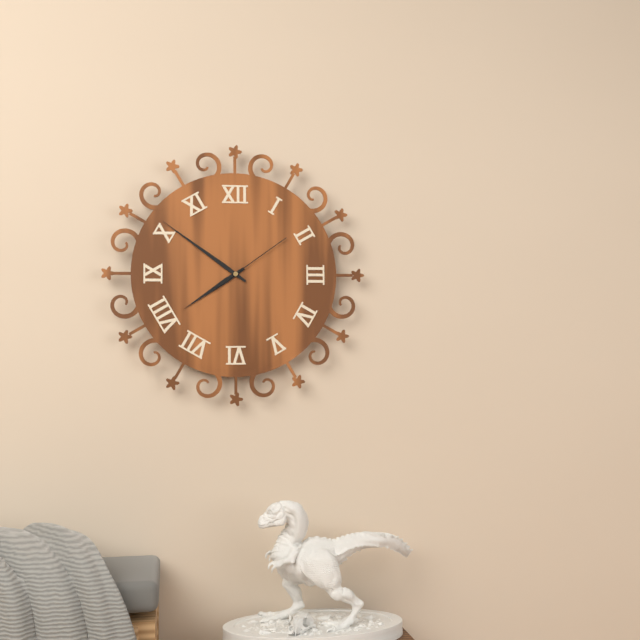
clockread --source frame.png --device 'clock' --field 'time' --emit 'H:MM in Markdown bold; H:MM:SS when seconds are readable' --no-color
**7:51:09**
